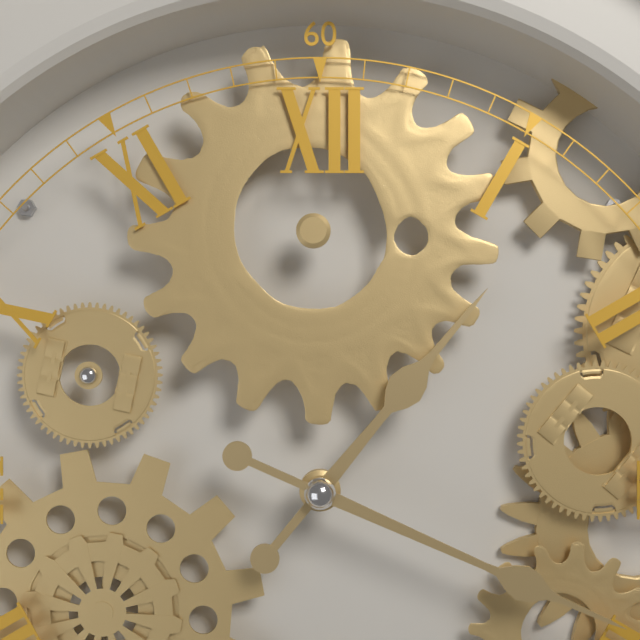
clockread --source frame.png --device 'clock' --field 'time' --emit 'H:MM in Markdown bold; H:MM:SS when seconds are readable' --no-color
**1:19**
